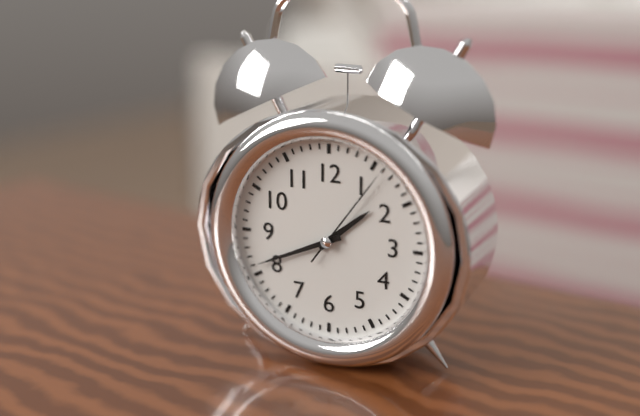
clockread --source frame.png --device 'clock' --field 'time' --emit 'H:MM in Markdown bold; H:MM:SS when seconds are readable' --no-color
**1:41:06**
